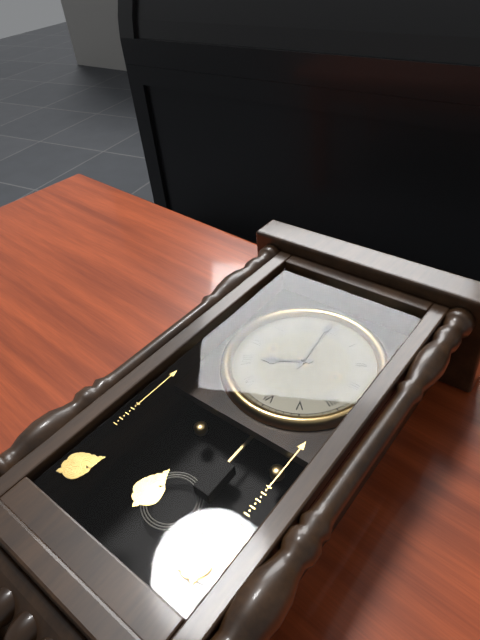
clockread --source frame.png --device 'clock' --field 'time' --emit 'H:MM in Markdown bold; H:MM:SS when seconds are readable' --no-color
**7:59**
